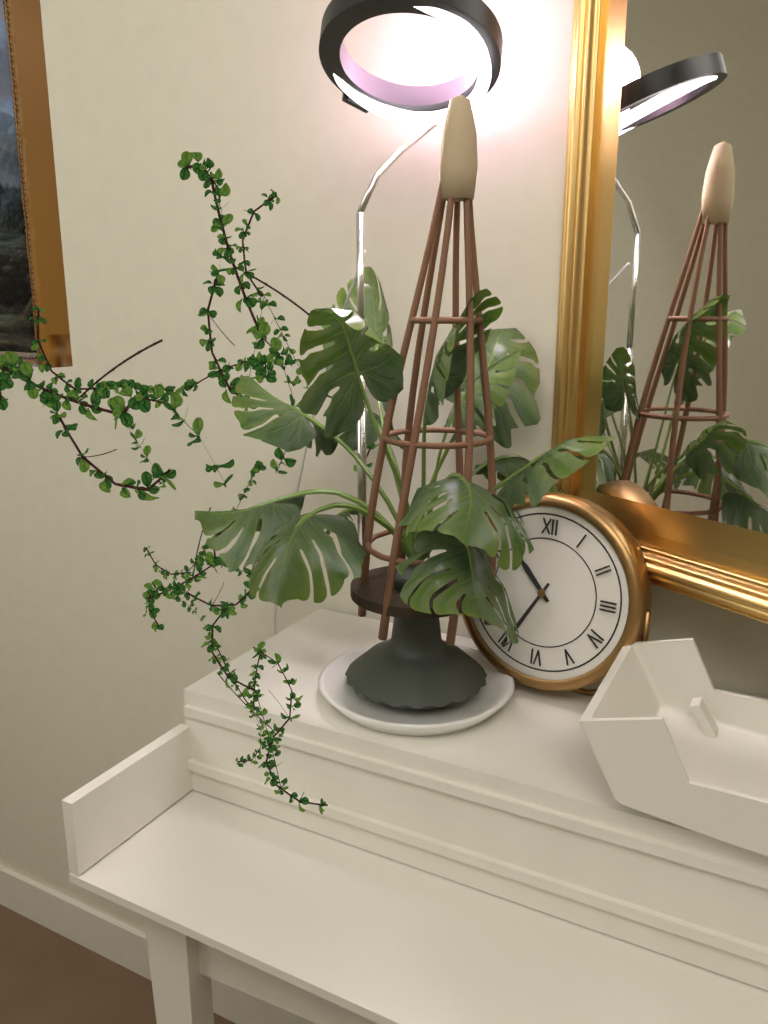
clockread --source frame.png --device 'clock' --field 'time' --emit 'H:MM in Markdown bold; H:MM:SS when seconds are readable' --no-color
**10:35**
